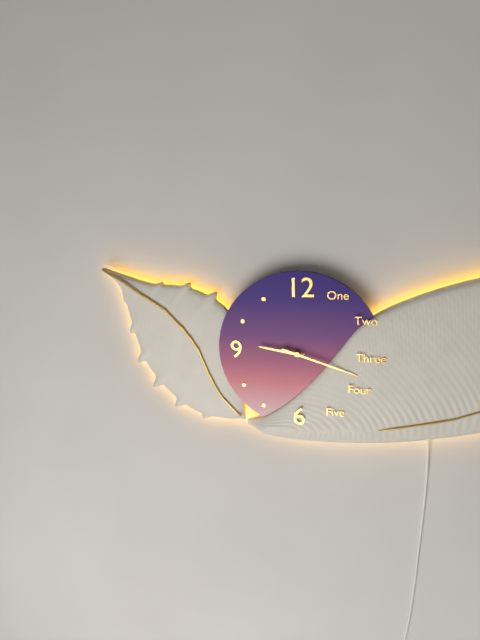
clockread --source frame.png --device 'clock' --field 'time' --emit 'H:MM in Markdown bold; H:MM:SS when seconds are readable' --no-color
**9:18**
